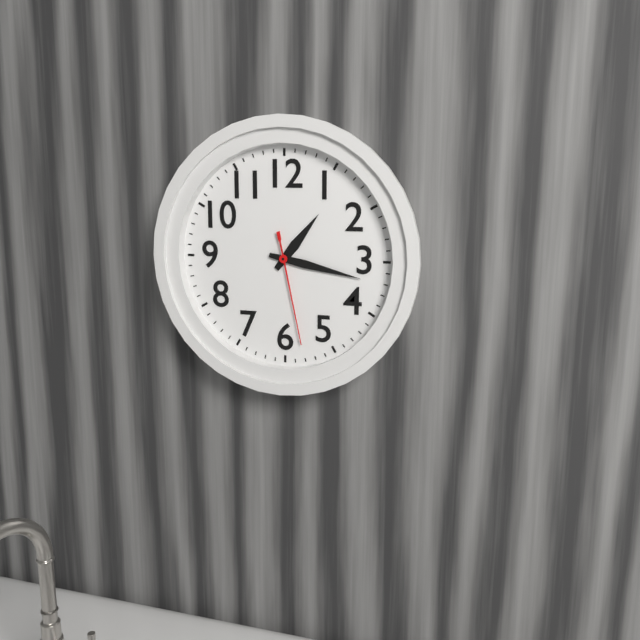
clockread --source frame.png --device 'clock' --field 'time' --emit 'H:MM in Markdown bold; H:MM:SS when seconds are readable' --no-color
**1:17:28**
